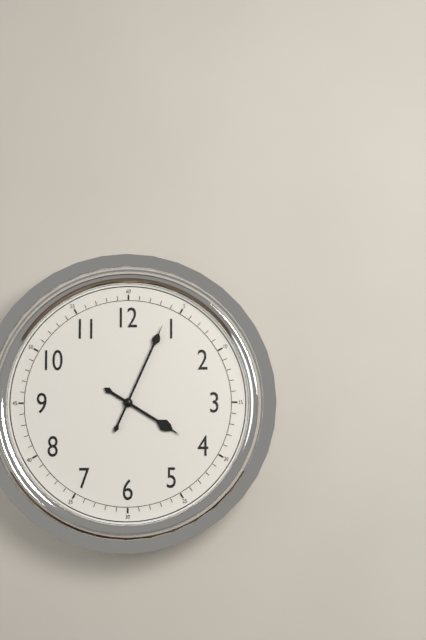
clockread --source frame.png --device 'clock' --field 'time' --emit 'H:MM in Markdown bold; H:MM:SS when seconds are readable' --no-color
**4:04**
